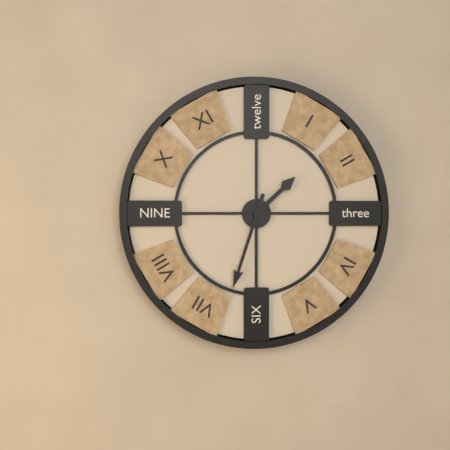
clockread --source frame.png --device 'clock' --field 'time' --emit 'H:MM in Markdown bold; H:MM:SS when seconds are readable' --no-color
**1:33**
